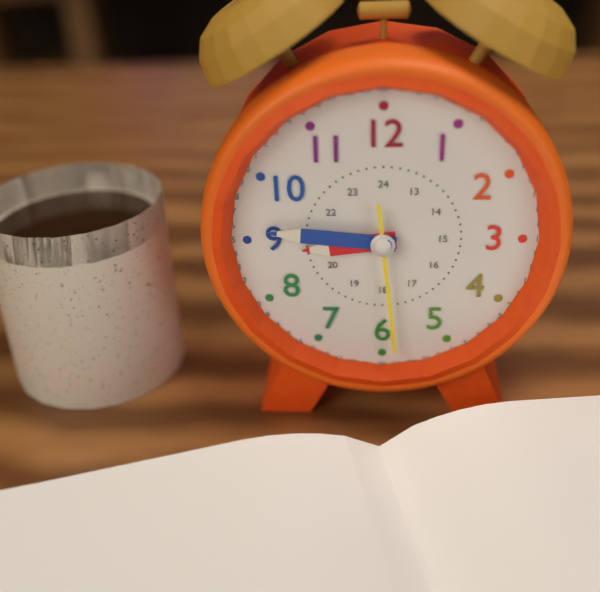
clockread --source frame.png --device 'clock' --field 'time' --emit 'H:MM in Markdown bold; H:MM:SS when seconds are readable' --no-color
**8:46:29**
